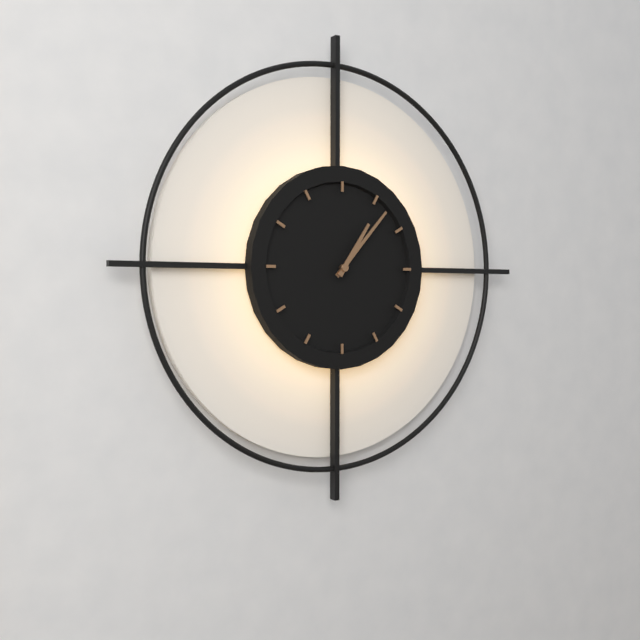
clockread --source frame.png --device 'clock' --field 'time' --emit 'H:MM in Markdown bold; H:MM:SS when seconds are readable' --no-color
**1:07**
